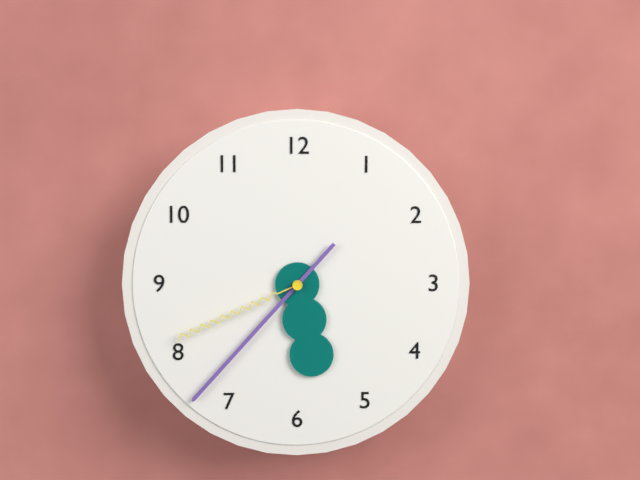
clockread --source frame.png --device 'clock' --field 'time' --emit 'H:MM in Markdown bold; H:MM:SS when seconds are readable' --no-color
**5:37:41**
